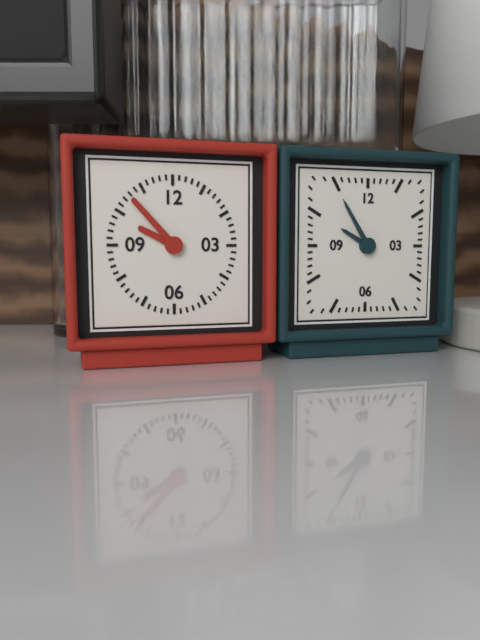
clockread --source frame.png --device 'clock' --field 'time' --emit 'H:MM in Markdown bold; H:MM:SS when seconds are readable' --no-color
**9:53**
